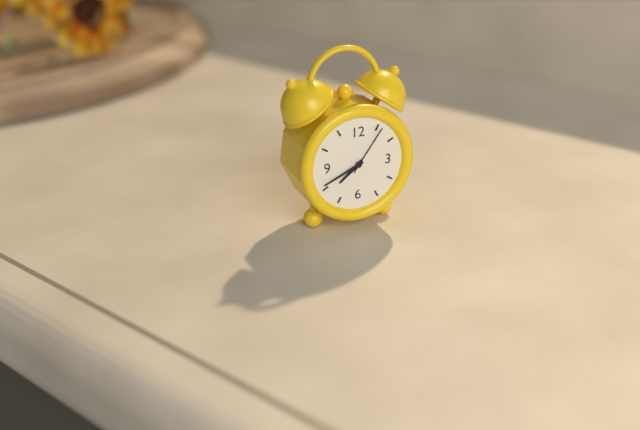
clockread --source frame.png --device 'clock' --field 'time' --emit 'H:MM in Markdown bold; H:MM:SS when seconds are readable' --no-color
**7:41:06**
